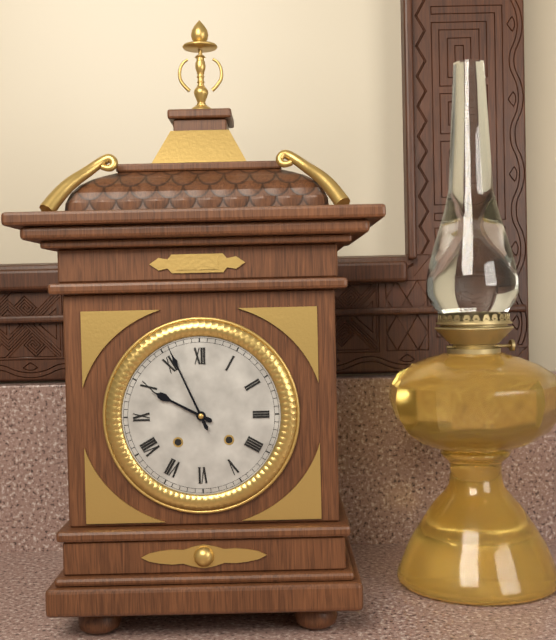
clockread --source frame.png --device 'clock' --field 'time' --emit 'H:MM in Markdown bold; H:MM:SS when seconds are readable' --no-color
**9:56**
